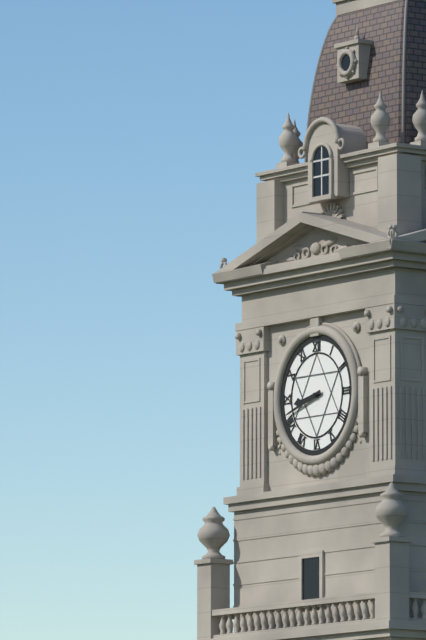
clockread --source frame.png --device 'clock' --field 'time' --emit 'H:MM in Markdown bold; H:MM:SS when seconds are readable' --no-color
**8:42**
